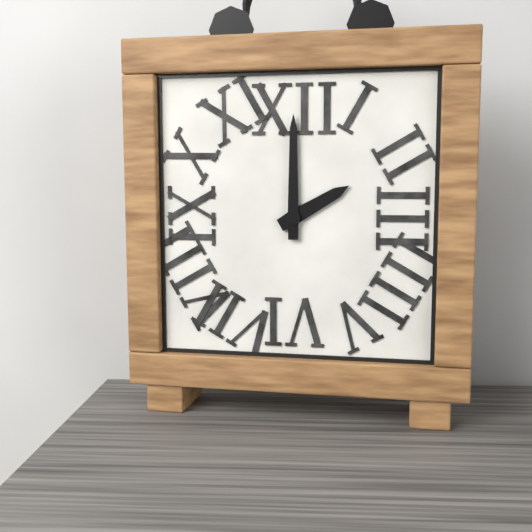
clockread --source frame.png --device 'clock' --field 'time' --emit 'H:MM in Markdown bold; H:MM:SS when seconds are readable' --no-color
**2:00**
